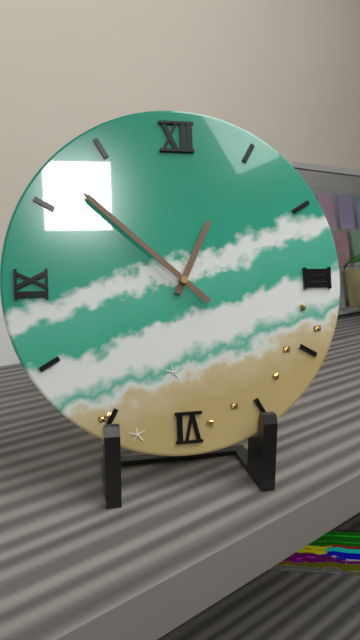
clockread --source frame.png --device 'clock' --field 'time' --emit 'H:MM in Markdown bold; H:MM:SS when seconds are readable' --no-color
**12:52**
